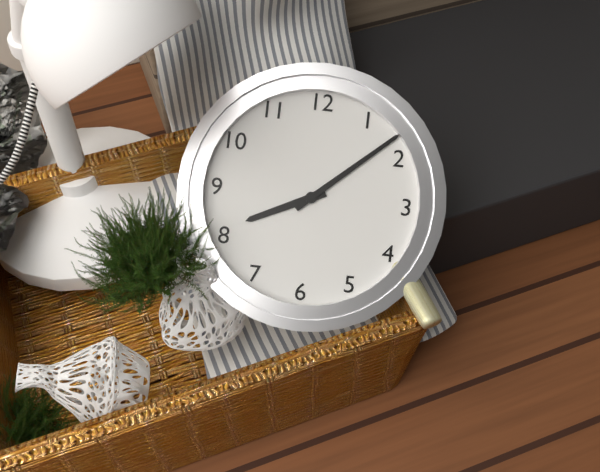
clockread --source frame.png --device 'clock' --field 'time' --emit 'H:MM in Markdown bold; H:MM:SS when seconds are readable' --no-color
**8:08**
